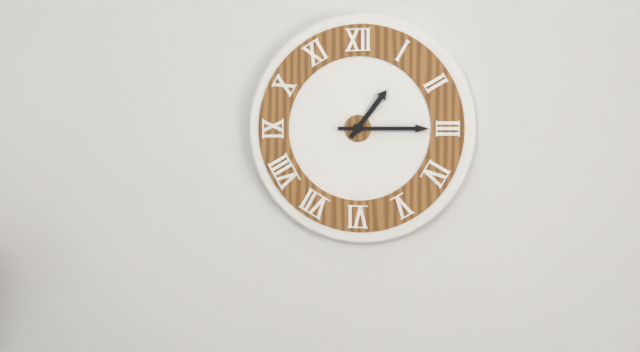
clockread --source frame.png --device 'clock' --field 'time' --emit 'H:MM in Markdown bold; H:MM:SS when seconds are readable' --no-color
**1:15**
